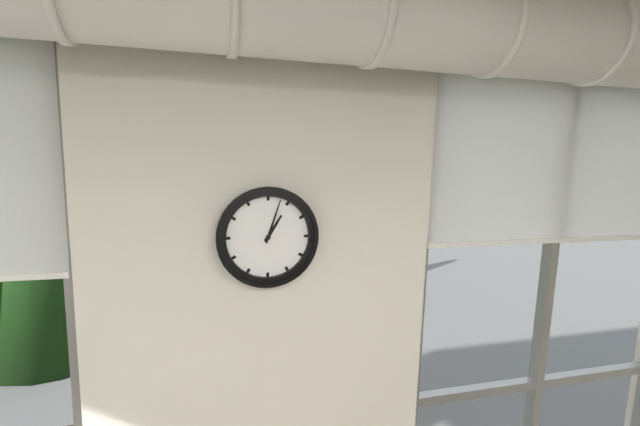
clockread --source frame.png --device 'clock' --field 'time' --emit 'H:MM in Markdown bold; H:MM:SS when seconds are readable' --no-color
**1:03**
